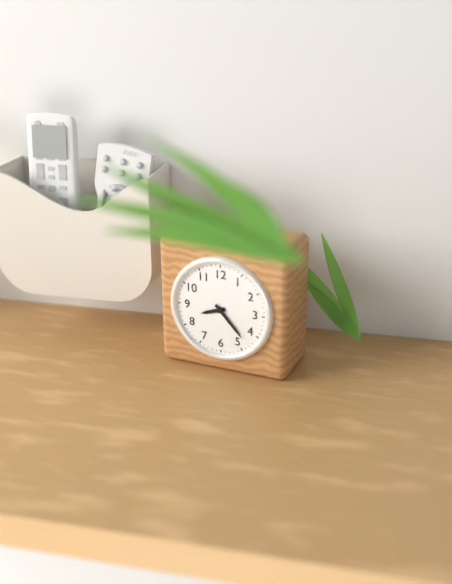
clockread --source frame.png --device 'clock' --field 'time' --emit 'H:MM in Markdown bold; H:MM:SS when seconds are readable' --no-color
**8:23**
